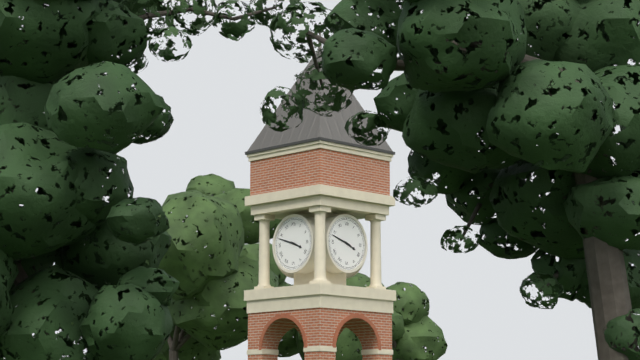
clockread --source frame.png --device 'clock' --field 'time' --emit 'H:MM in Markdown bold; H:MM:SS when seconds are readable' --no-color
**3:48**
